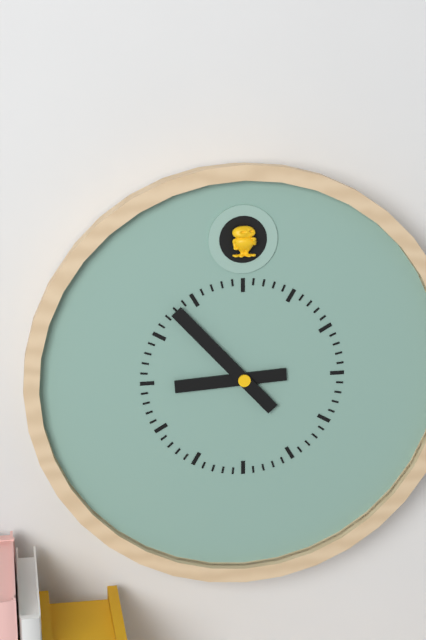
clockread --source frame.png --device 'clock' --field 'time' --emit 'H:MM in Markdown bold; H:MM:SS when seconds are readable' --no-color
**8:53**
